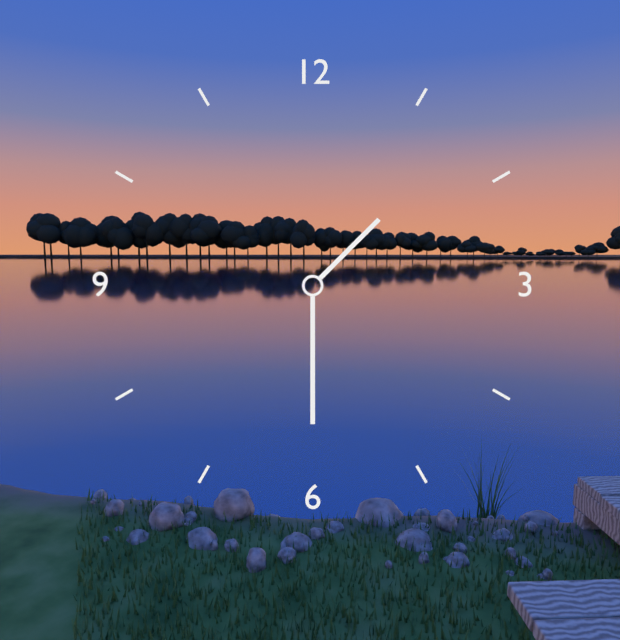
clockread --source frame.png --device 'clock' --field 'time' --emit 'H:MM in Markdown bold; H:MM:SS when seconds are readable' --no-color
**1:30**
